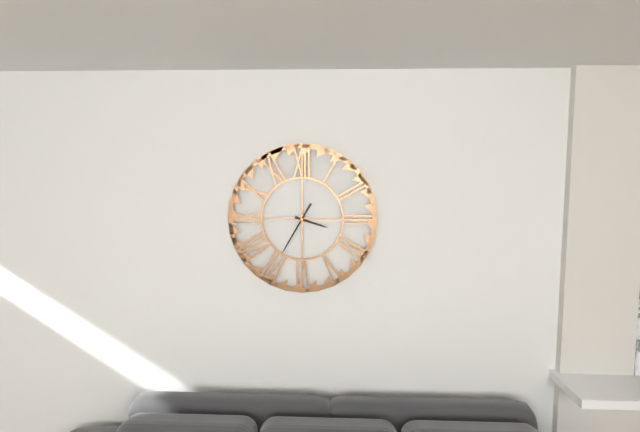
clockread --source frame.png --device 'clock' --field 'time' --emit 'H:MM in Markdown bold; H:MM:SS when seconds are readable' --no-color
**3:35**
